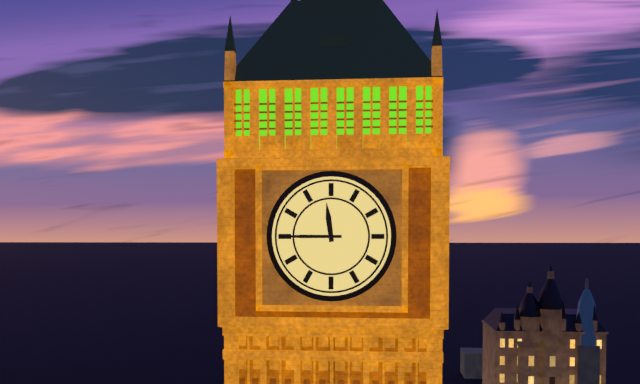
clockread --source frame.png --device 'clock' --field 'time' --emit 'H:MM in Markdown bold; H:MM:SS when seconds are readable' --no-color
**11:45**
